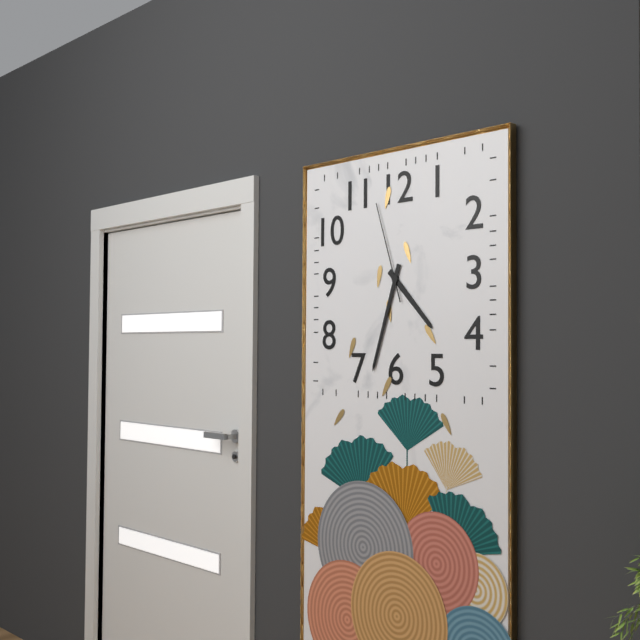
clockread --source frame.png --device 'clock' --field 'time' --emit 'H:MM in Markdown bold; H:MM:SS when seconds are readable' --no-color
**4:33:57**
